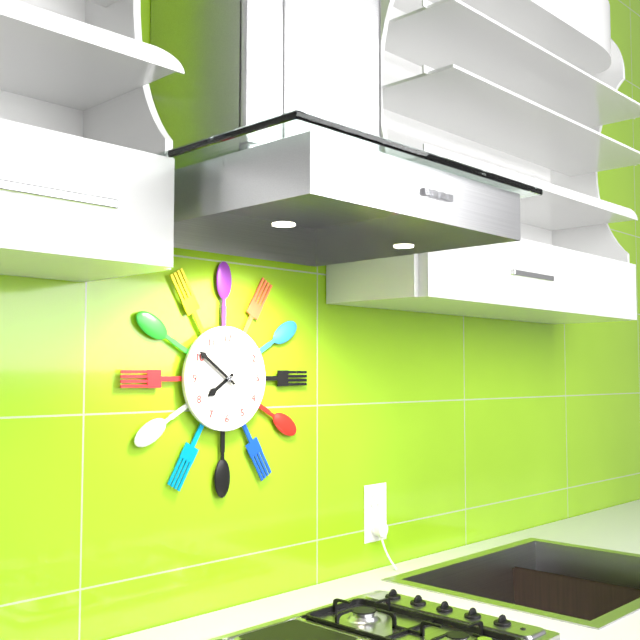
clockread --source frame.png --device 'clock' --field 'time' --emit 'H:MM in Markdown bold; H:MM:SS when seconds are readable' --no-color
**7:51**
